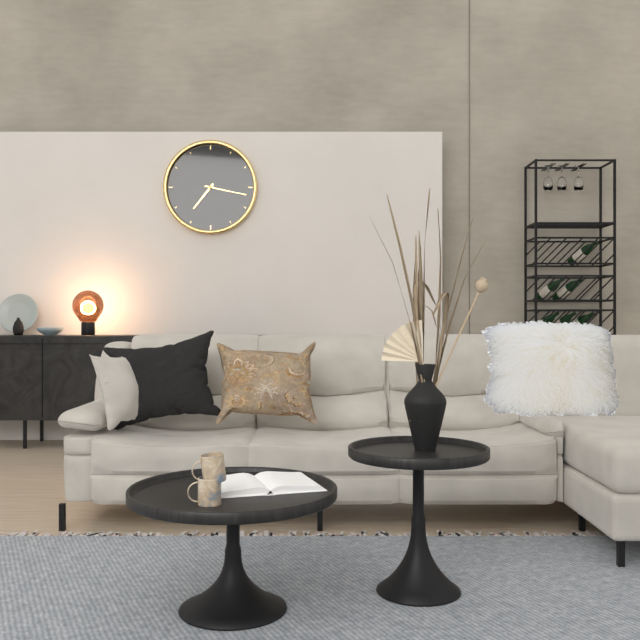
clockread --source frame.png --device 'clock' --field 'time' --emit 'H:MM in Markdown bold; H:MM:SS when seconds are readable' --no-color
**7:17**
